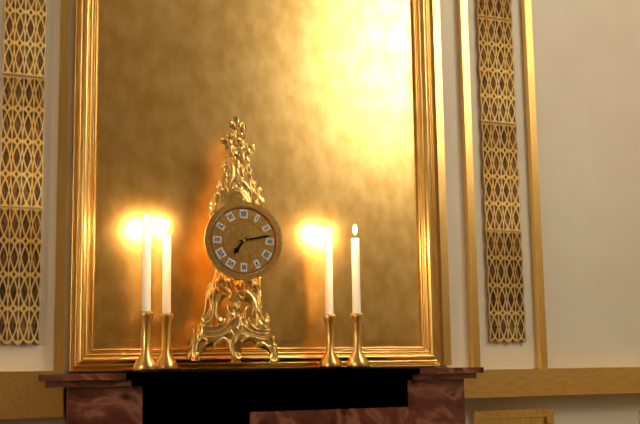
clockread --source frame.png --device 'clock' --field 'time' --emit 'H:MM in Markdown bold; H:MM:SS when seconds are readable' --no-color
**7:13**
